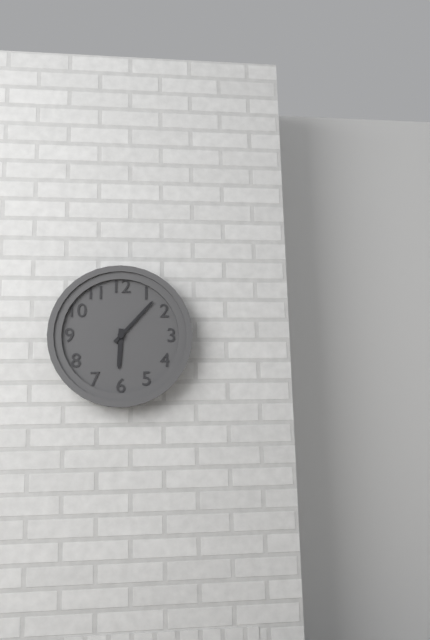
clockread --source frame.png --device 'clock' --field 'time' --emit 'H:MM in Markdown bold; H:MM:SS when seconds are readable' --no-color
**6:07**
